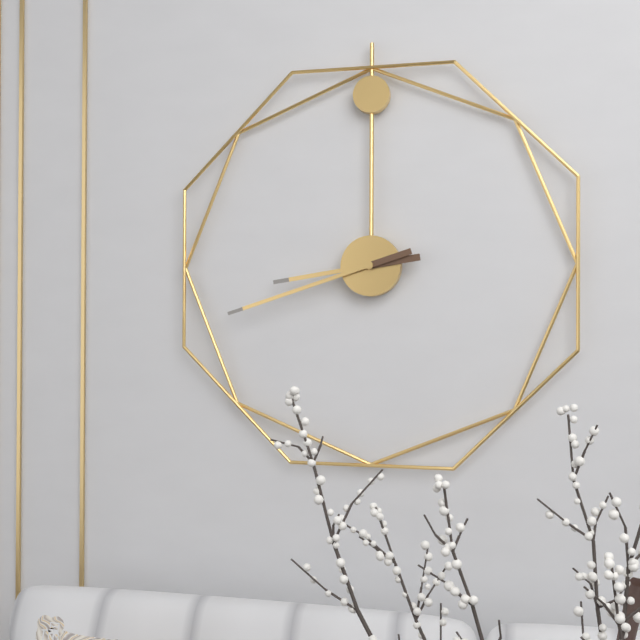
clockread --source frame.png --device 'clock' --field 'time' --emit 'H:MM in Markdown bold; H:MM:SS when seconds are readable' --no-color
**8:42**
